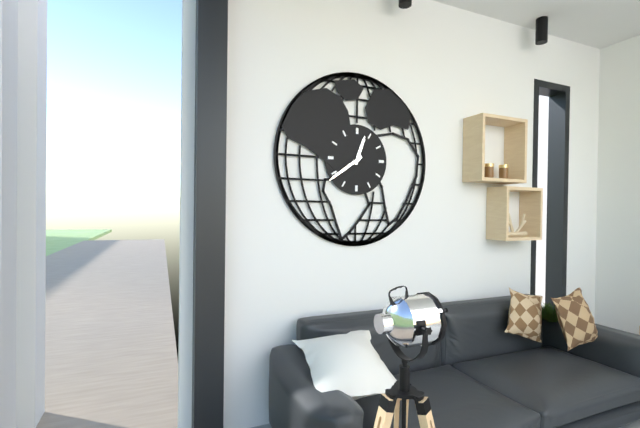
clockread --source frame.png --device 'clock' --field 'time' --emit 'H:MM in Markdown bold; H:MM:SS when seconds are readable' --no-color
**12:39**
